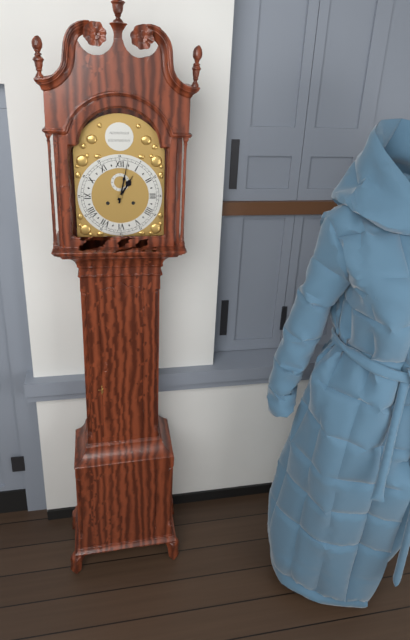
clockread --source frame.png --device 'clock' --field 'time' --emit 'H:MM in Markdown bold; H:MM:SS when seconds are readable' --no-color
**1:02**
